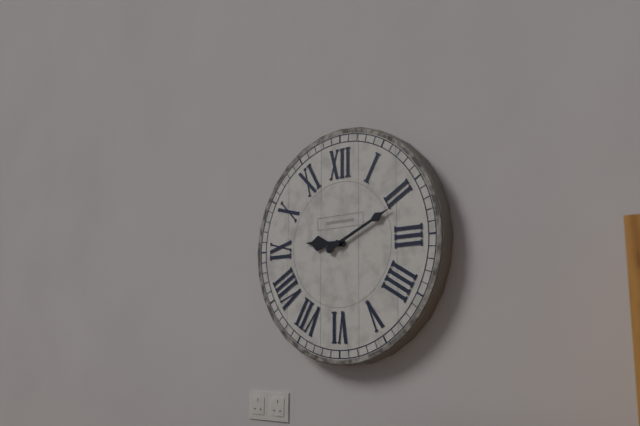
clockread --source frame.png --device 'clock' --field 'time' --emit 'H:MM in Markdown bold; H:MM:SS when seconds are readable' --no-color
**9:11**
